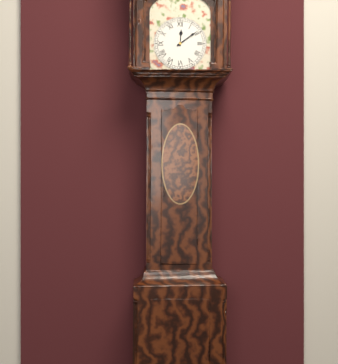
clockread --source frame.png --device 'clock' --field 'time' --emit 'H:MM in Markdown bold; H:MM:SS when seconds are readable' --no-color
**12:09**
